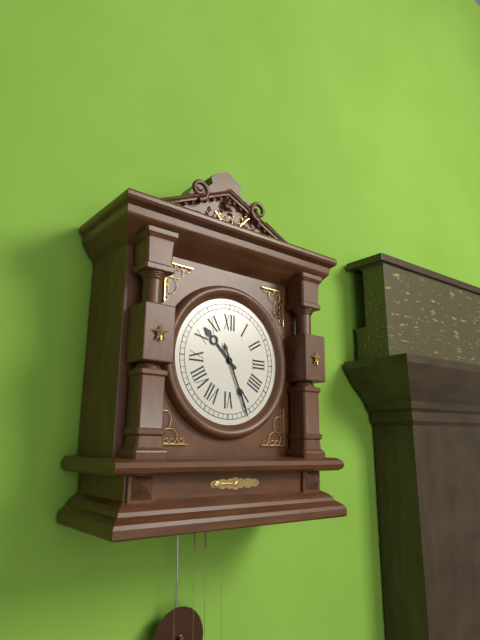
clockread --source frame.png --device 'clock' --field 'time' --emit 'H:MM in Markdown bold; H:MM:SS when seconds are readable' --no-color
**10:26**
